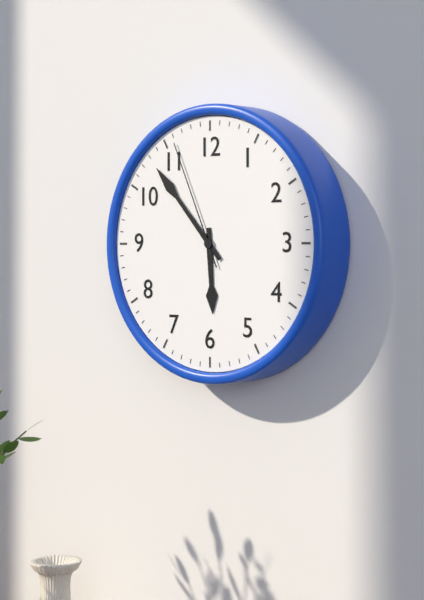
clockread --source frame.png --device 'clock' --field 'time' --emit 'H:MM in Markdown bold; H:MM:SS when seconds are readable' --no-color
**5:53:56**
